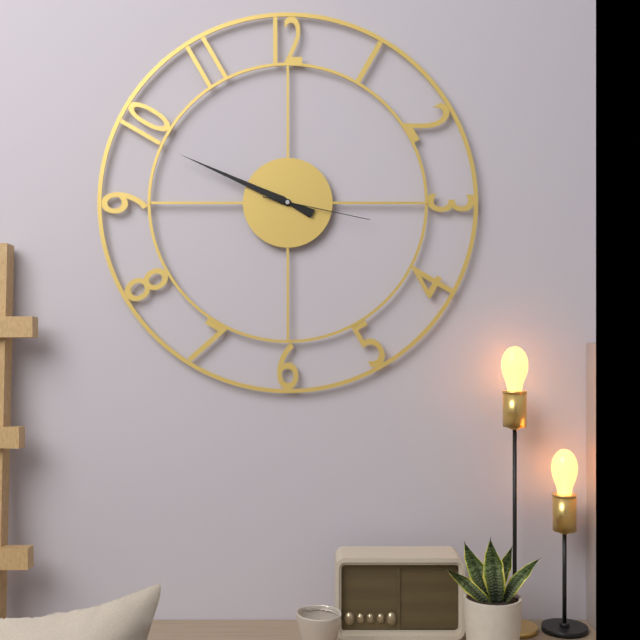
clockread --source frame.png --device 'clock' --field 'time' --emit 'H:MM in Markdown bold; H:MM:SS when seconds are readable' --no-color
**9:49:17**
